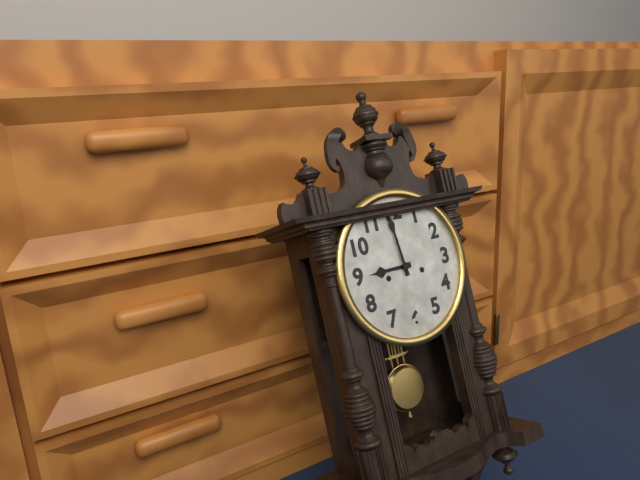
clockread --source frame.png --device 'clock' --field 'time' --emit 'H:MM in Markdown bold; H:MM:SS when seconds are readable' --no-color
**8:59**
